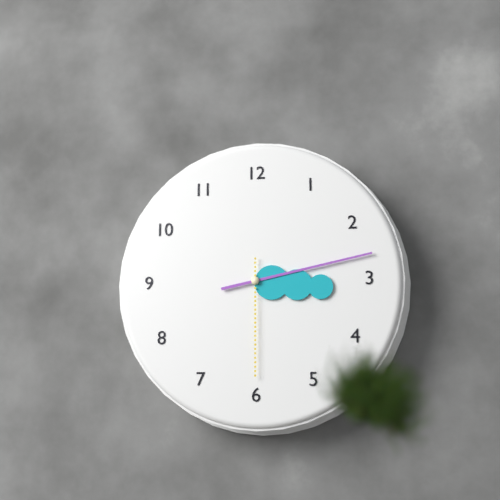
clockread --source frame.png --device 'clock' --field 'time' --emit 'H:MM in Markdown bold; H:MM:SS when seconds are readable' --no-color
**3:13:30**
